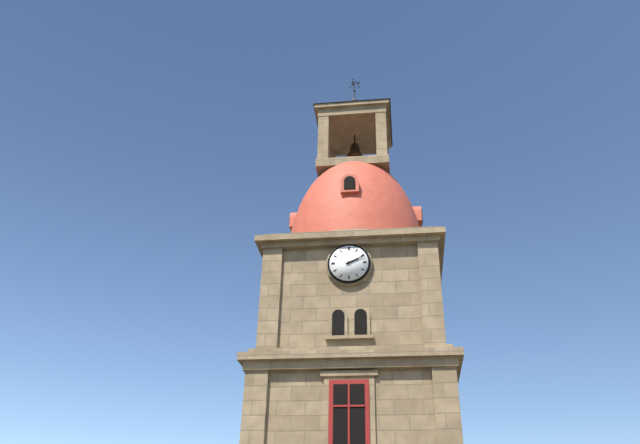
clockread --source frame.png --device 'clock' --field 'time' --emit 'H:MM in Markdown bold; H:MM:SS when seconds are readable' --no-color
**2:11**
